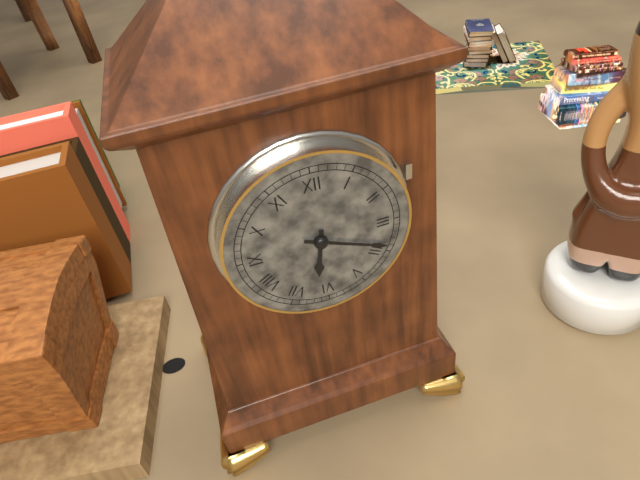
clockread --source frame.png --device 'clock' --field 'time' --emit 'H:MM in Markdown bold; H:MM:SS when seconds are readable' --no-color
**6:19**
